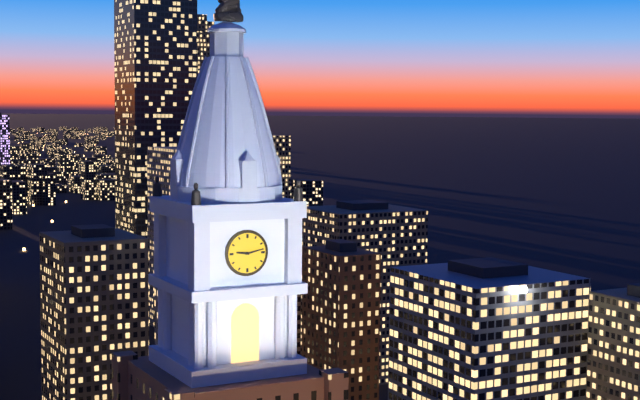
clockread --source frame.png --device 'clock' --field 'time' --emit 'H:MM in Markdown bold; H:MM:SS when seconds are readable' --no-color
**9:13**
